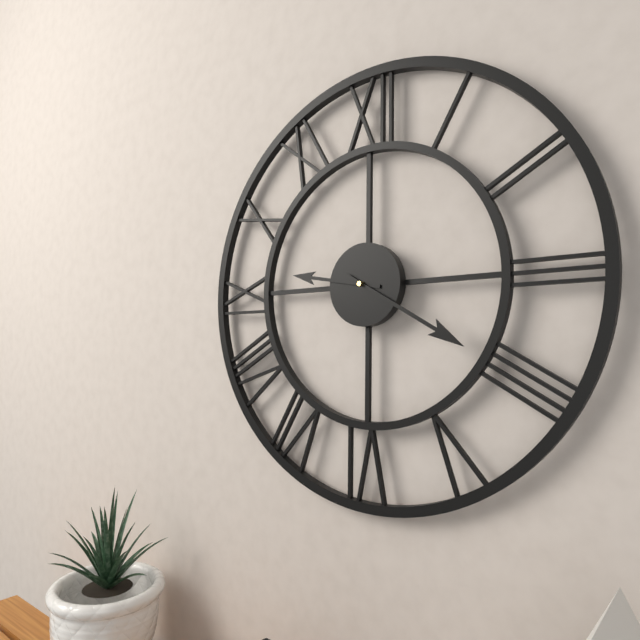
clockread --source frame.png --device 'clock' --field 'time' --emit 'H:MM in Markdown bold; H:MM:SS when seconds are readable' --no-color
**9:20**
